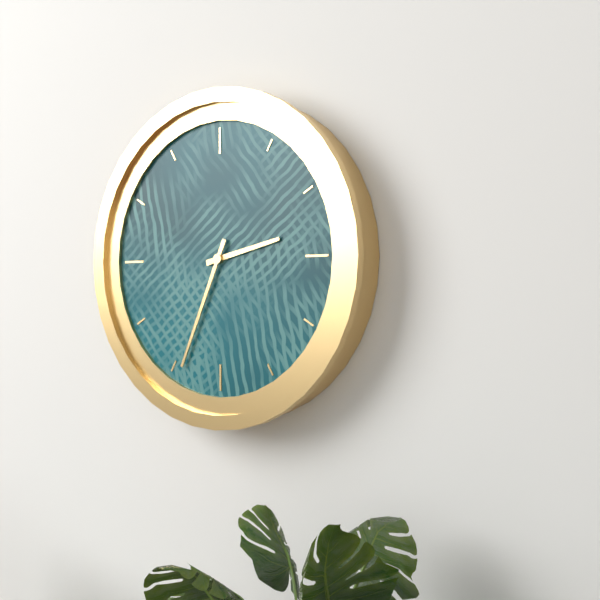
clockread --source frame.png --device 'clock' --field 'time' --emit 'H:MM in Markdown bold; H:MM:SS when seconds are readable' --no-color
**2:34**
